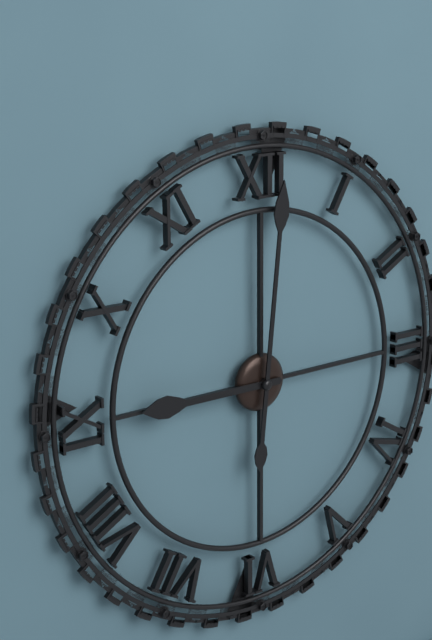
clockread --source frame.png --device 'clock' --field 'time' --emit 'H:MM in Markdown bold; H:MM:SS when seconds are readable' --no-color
**9:01**
